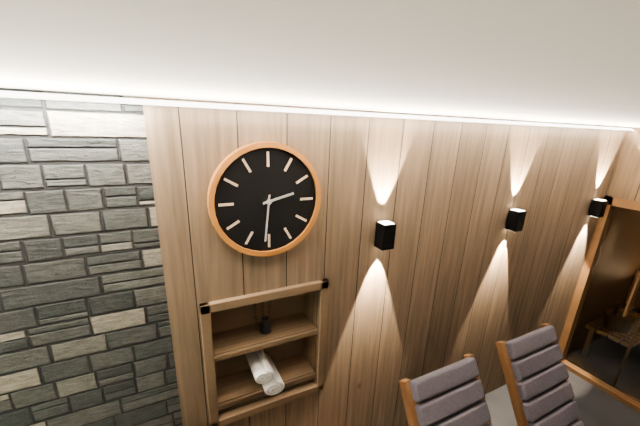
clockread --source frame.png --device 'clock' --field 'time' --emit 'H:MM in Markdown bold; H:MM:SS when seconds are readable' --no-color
**2:31**
